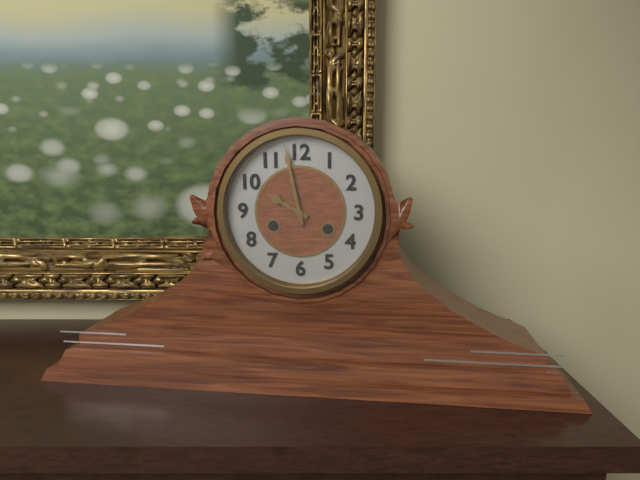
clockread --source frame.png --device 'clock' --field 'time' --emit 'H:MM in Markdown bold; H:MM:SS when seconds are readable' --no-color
**9:58**
